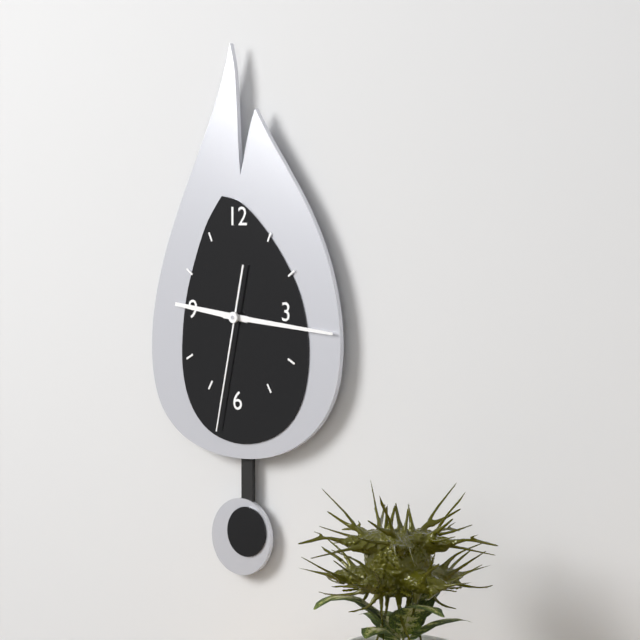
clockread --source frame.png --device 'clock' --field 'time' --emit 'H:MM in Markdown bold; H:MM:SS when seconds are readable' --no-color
**9:16:32**
